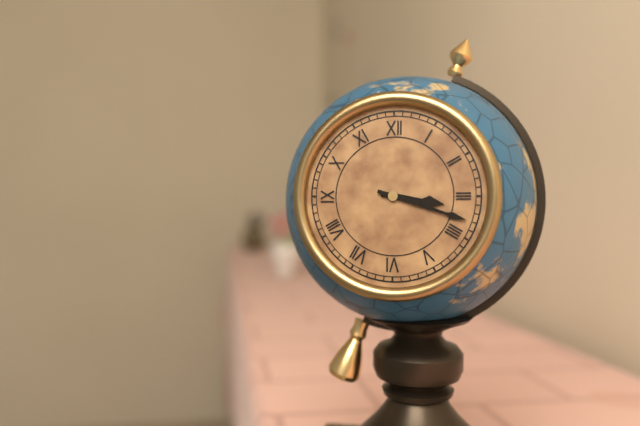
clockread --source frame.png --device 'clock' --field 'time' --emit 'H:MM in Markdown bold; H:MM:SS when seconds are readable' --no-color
**3:18**
